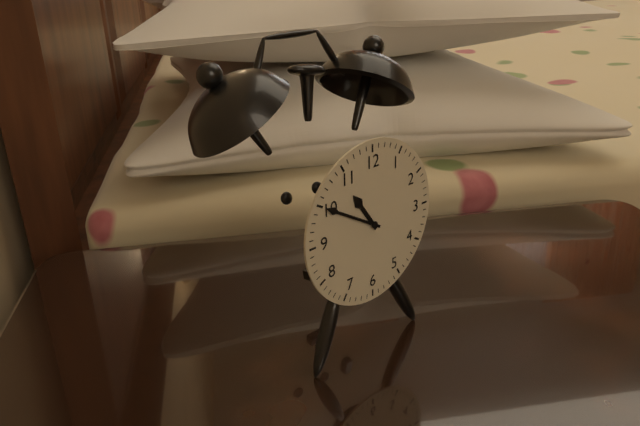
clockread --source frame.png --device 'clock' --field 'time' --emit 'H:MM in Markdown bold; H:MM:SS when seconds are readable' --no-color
**10:50**
